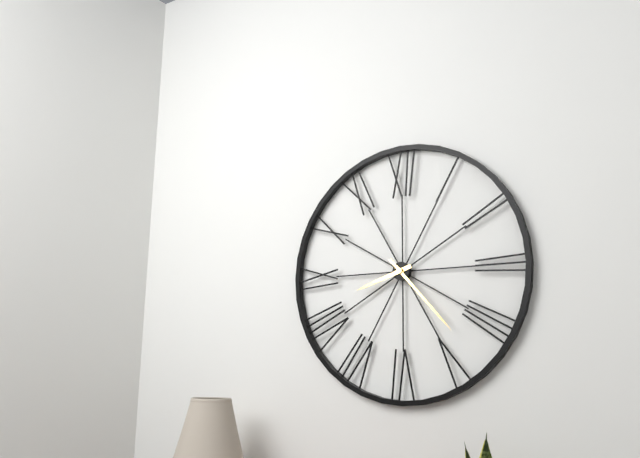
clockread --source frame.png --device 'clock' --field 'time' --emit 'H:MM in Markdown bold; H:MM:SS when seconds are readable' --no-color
**8:23**
